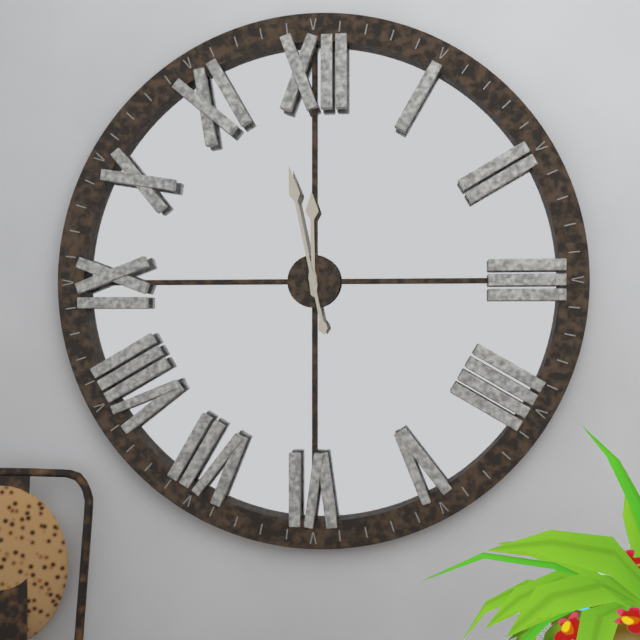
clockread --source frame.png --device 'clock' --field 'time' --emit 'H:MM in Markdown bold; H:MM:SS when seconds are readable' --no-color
**11:58**
